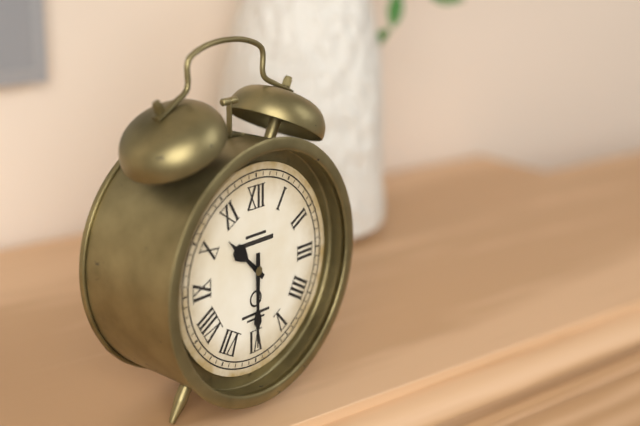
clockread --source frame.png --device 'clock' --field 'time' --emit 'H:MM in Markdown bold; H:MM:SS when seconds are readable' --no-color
**10:30**
